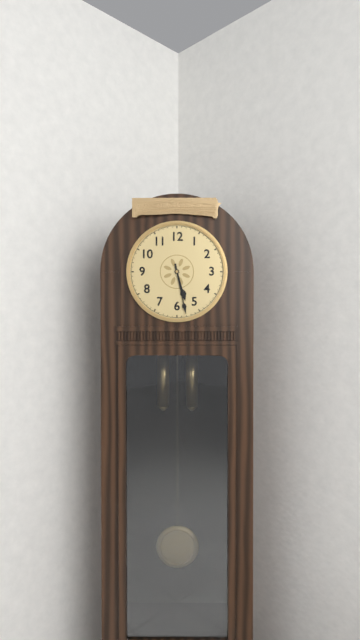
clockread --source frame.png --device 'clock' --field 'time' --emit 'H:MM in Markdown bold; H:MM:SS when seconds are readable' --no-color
**5:28**
